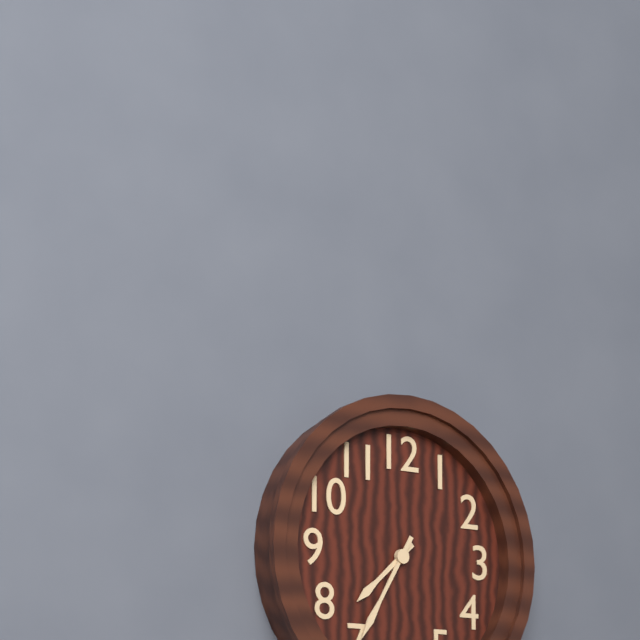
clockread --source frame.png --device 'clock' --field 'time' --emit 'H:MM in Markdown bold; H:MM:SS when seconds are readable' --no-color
**7:35**
